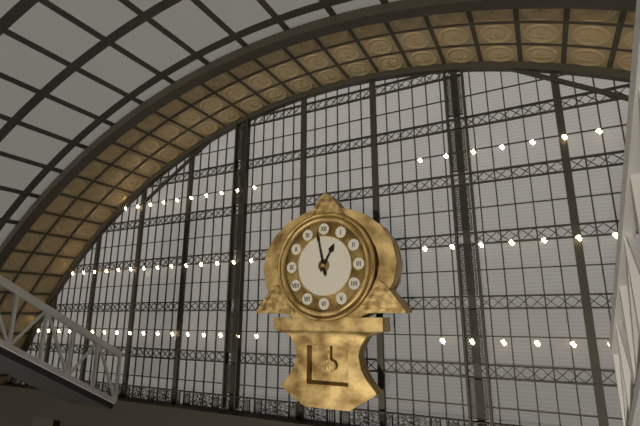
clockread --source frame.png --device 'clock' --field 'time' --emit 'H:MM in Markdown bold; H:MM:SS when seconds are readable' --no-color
**12:58**
